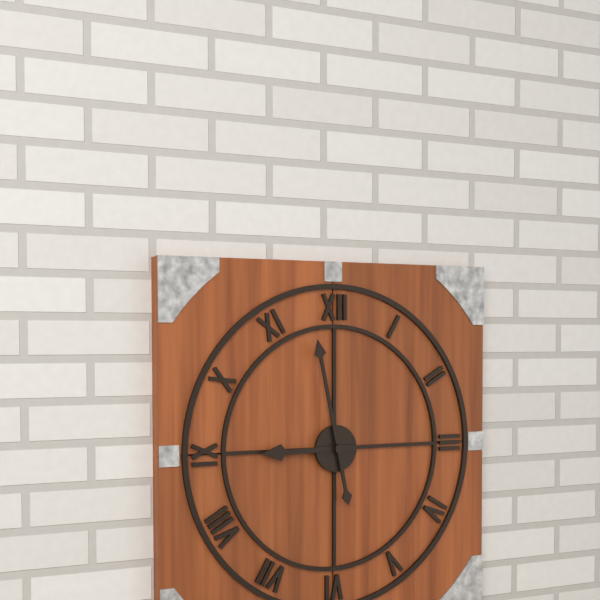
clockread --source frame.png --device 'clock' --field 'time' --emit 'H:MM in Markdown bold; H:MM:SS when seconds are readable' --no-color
**8:58**
